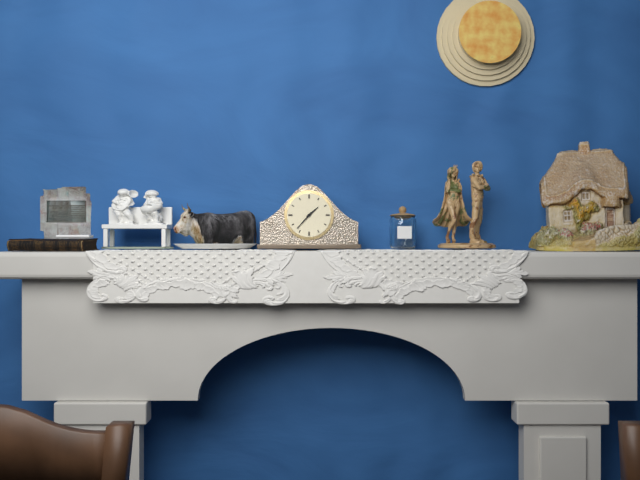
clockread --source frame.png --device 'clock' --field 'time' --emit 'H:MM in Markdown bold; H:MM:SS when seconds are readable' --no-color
**1:37**
